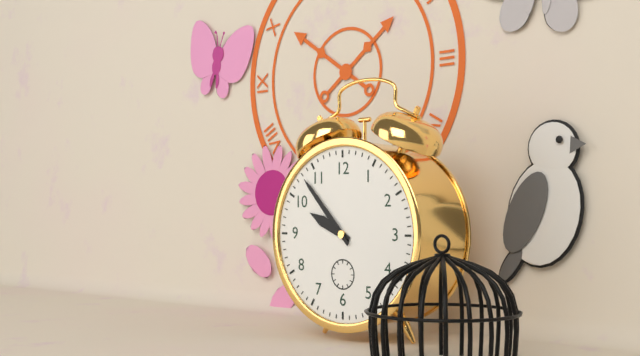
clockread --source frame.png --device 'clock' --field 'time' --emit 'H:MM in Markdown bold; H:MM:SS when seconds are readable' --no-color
**9:53**
